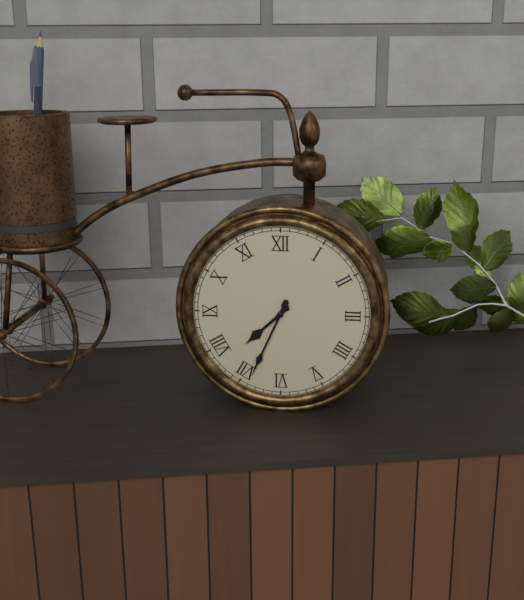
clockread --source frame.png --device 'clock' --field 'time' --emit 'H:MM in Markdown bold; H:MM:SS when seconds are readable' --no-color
**7:34**
